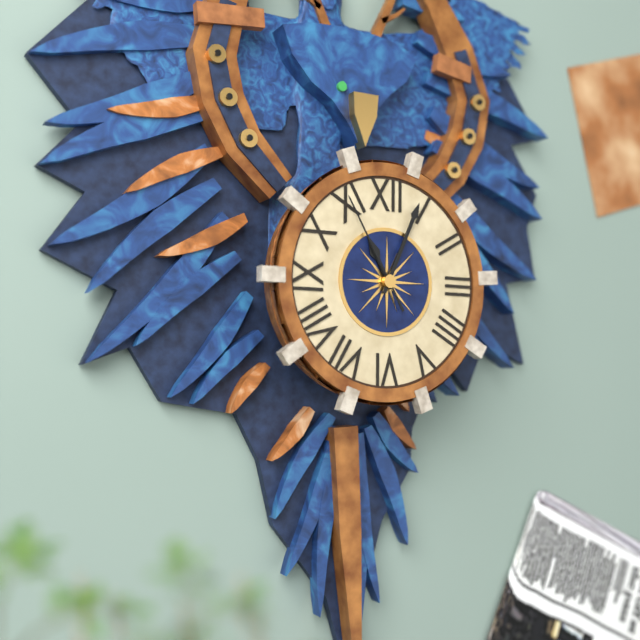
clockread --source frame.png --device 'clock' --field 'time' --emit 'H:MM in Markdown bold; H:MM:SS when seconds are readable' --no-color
**11:04:55**
